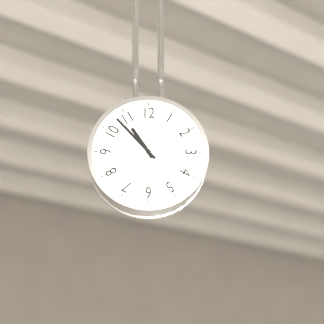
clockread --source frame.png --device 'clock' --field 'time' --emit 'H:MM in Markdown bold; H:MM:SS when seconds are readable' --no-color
**10:53**
